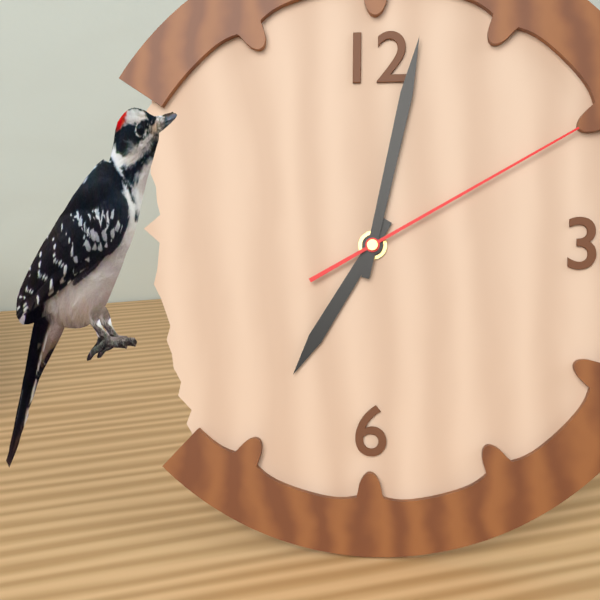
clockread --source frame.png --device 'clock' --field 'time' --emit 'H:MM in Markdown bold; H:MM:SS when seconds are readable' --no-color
**7:02:10**
